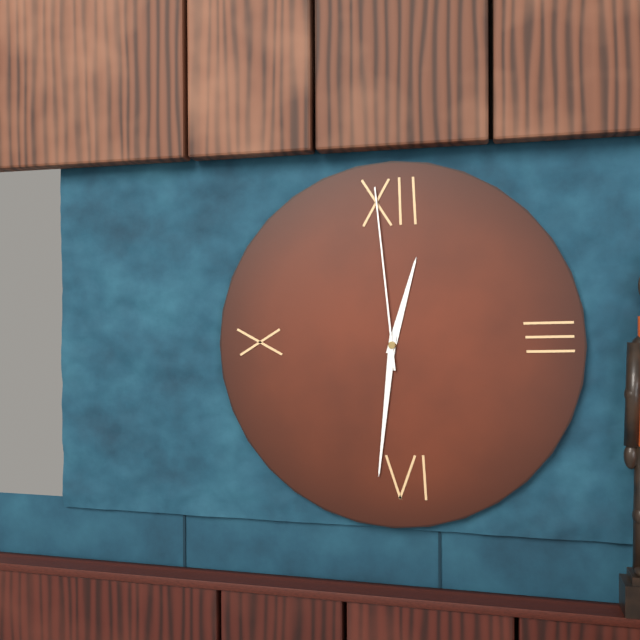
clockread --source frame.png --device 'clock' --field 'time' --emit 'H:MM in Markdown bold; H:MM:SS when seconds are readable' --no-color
**12:31:59**
